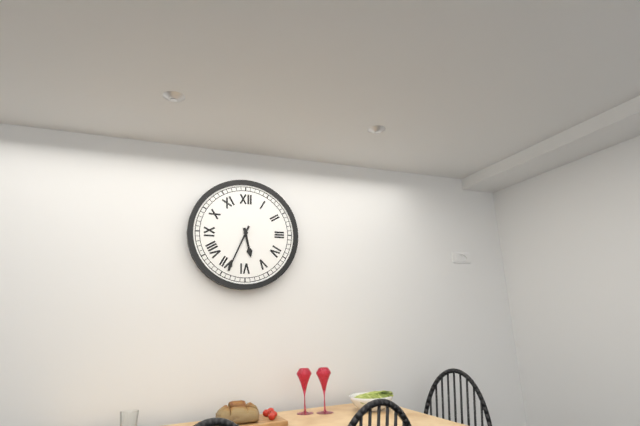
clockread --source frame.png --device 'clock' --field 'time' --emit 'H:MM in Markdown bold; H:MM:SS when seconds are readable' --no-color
**5:34**
